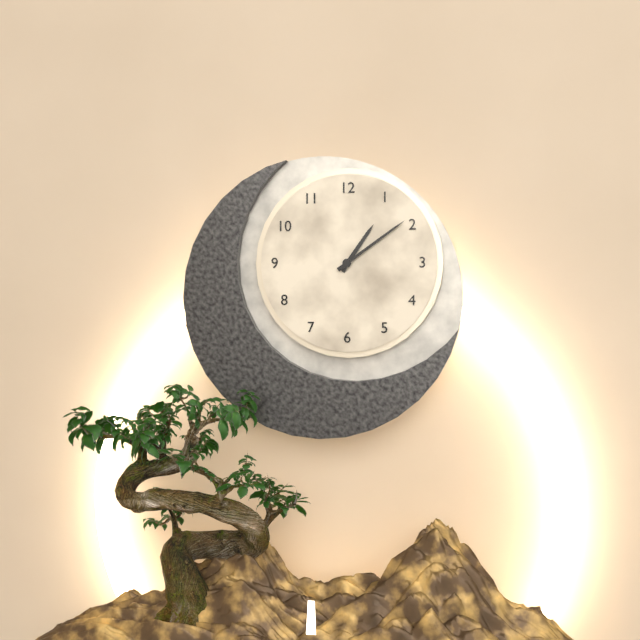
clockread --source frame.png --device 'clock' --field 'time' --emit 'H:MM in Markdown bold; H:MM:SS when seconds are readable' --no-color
**1:09**
